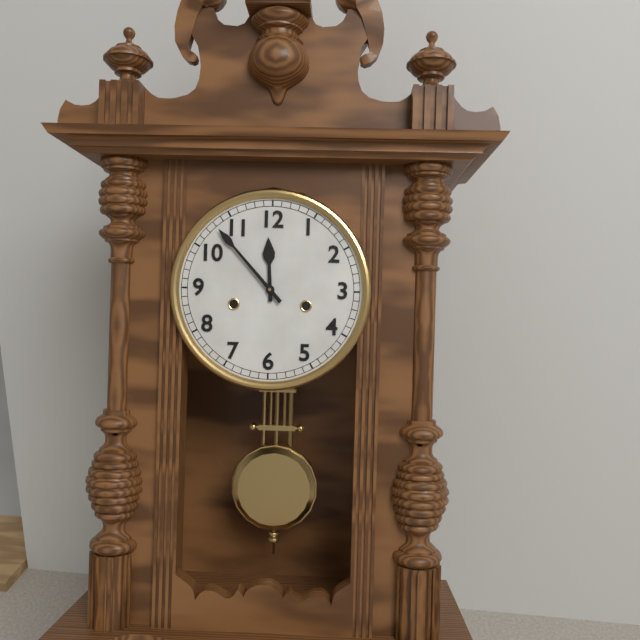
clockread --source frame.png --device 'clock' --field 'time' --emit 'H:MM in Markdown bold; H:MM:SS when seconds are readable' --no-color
**11:53**
